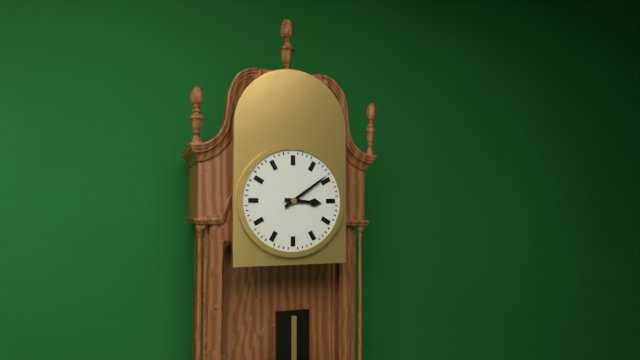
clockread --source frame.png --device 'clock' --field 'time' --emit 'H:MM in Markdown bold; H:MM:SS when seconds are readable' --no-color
**3:09**
